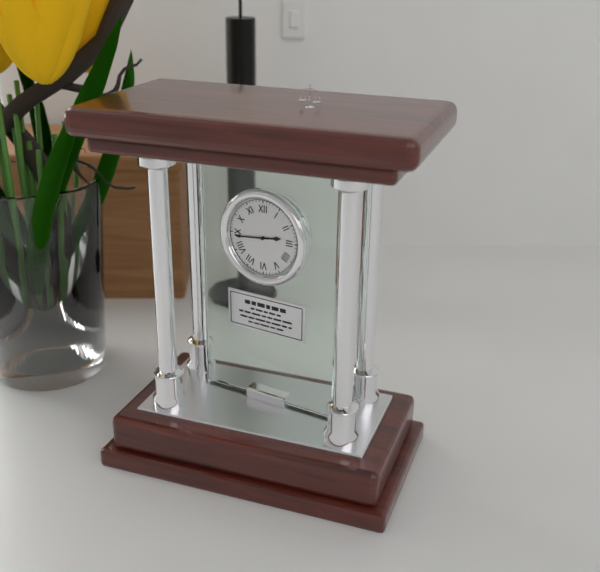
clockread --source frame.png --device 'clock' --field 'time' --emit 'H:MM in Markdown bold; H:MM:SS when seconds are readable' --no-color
**2:44**
